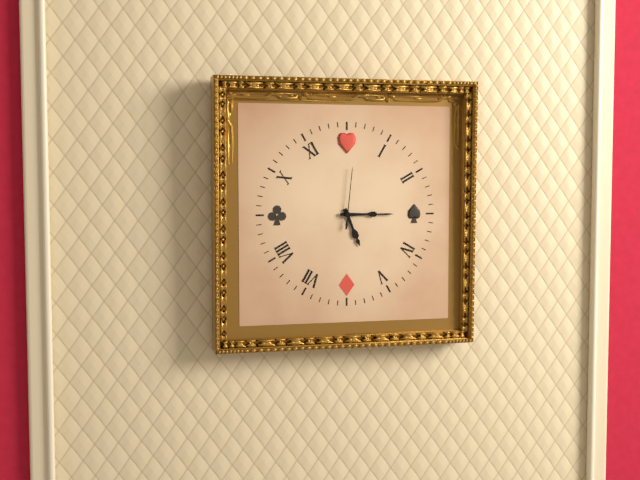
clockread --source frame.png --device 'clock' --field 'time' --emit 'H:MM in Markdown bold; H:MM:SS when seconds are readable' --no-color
**5:15:01**
